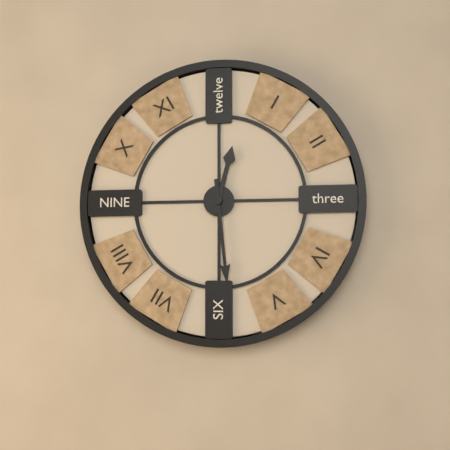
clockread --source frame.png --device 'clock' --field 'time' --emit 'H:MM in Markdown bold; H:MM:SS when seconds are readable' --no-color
**12:29**
